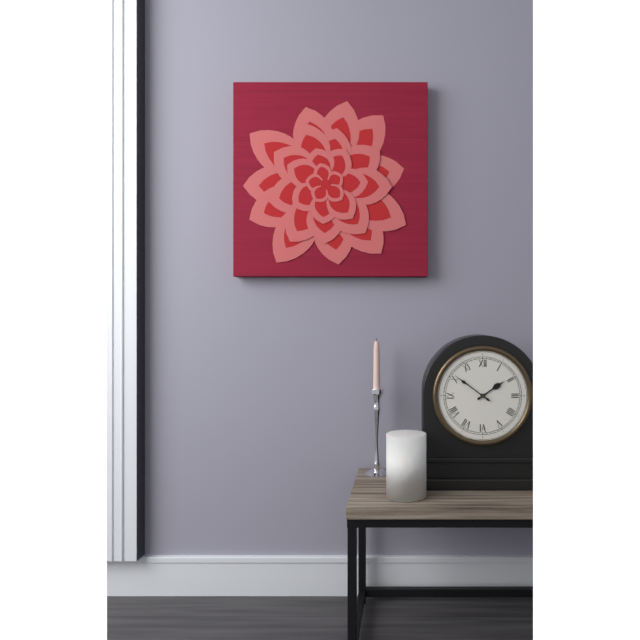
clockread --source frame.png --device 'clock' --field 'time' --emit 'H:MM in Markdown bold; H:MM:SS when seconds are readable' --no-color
**1:51**
